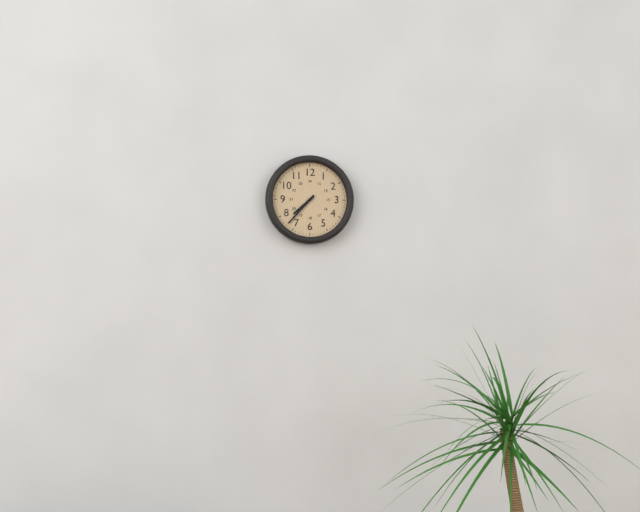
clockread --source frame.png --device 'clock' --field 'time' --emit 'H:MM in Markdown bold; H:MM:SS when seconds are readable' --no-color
**7:37**
